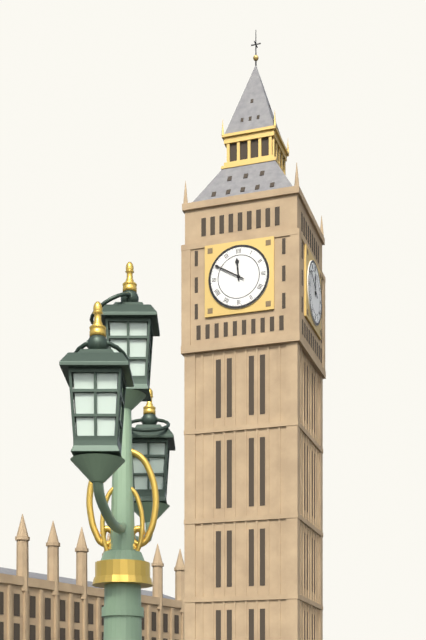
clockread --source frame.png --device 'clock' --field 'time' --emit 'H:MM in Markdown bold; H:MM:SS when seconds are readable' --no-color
**11:50**
